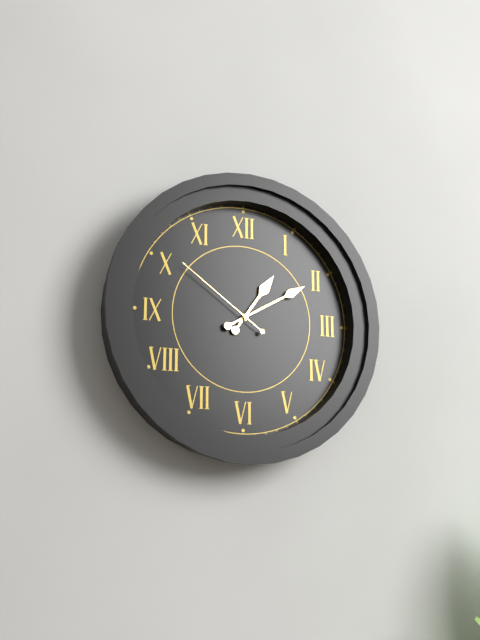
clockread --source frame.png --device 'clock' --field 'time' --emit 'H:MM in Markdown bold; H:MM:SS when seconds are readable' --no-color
**1:10:51**
